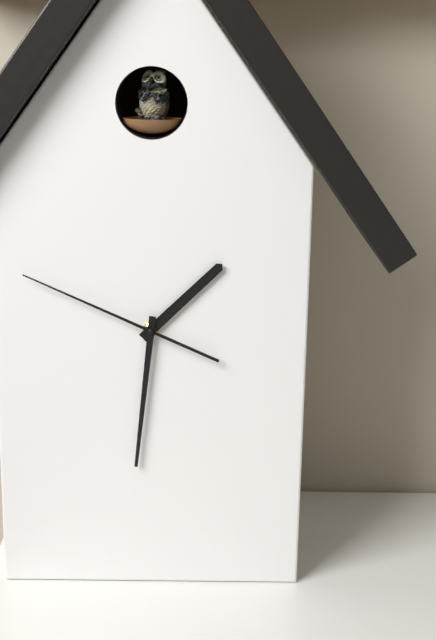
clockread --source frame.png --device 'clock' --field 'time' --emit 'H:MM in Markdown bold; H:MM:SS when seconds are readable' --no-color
**1:31:49**
